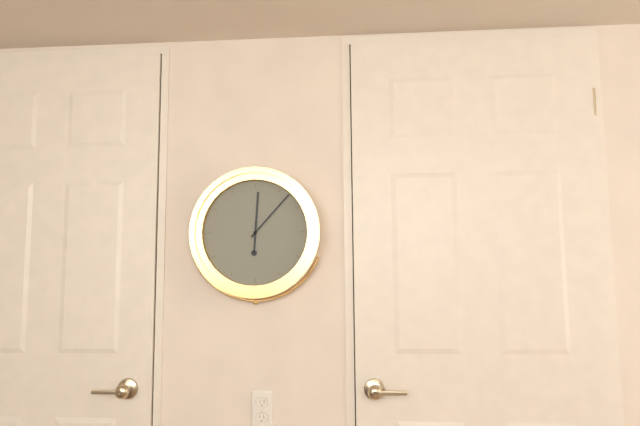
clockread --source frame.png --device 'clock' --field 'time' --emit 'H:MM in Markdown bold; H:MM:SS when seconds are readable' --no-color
**12:07**
